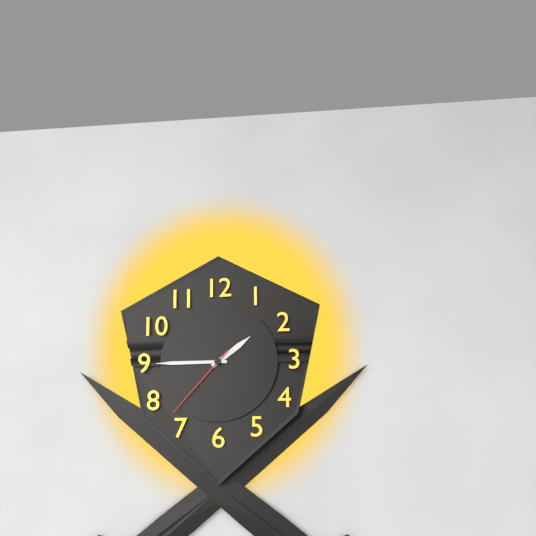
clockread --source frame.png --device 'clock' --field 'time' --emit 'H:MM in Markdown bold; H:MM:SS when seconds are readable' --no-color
**1:45:37**
